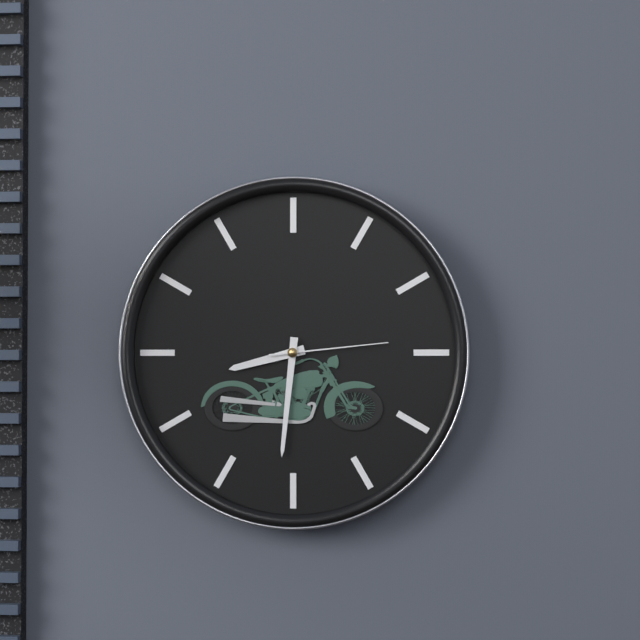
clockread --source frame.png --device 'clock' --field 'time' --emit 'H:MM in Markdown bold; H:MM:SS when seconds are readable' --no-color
**8:31:14**
